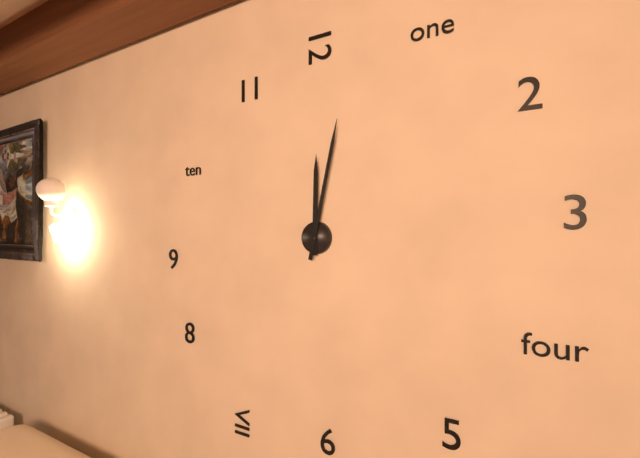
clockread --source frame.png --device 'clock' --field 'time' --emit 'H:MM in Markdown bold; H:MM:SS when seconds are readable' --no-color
**12:02**
